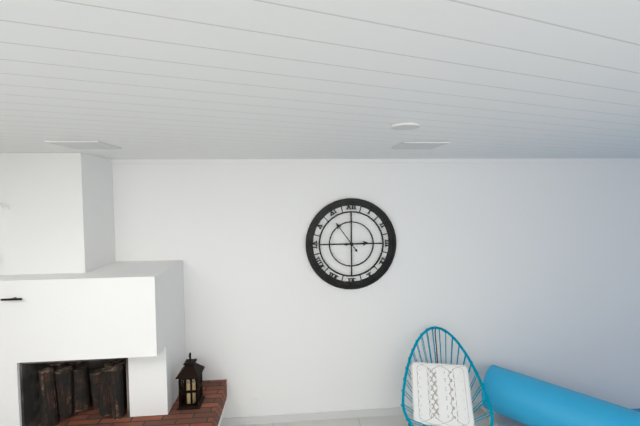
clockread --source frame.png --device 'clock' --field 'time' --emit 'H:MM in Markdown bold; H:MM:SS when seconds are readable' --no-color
**2:54**
